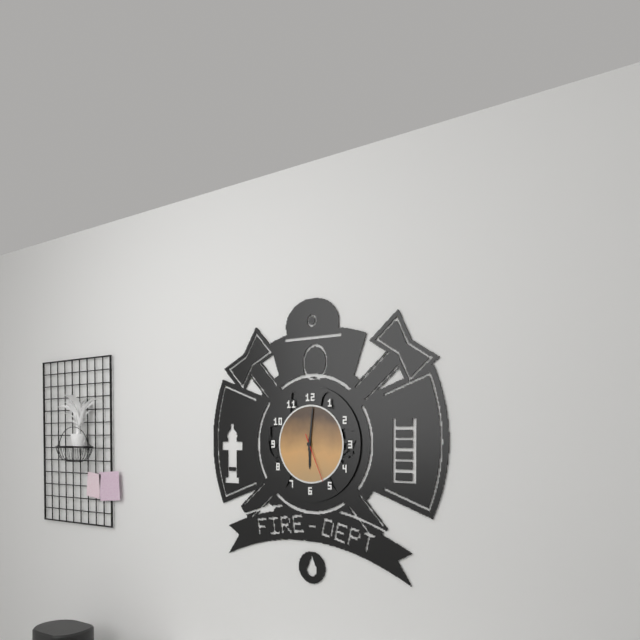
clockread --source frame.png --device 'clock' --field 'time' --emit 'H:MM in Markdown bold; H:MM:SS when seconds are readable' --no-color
**6:01**
